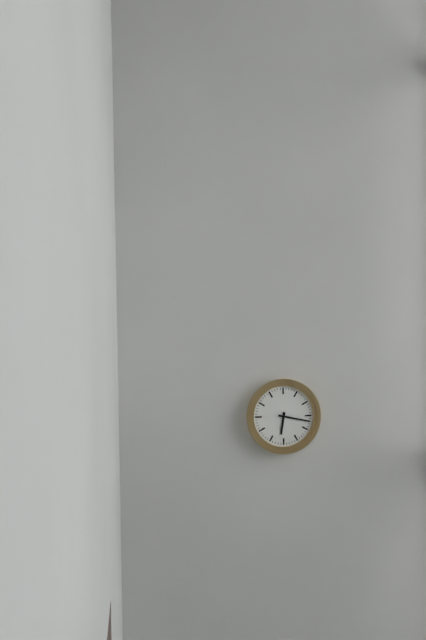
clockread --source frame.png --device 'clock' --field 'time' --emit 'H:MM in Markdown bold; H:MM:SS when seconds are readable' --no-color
**6:17**
